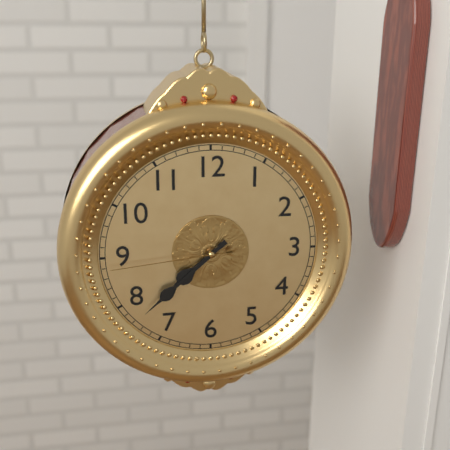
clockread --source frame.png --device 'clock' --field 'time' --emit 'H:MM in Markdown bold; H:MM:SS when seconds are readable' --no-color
**7:38:44**
